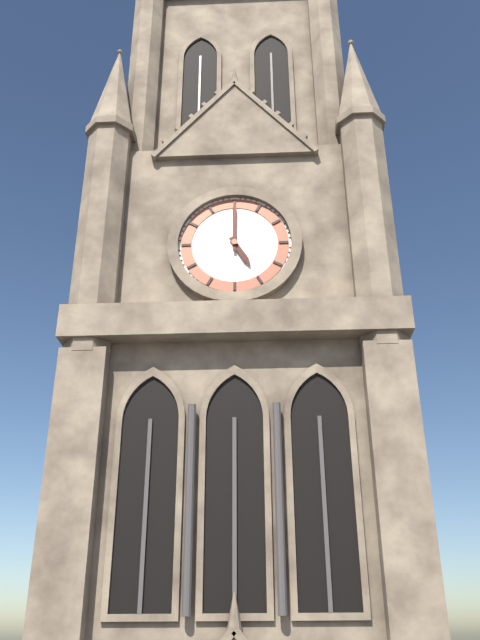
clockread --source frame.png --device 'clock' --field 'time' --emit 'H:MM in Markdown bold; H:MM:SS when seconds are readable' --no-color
**5:00**
